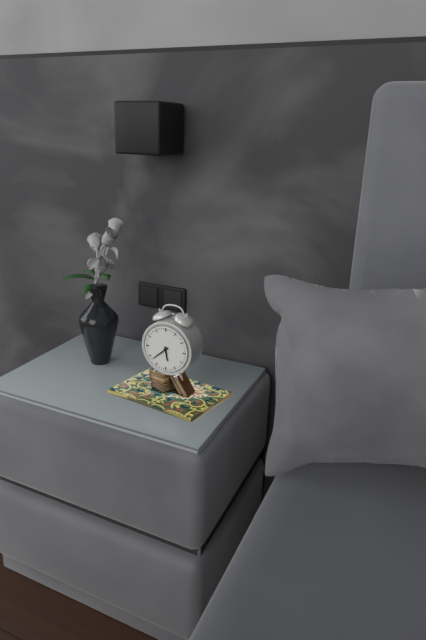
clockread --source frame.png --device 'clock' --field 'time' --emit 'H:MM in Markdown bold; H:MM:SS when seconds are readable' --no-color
**5:38**
